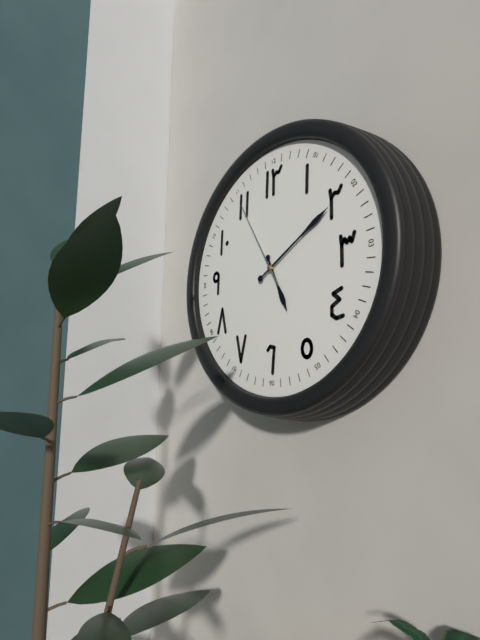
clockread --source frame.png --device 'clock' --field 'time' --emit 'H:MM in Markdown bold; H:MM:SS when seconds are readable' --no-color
**5:10:55**
